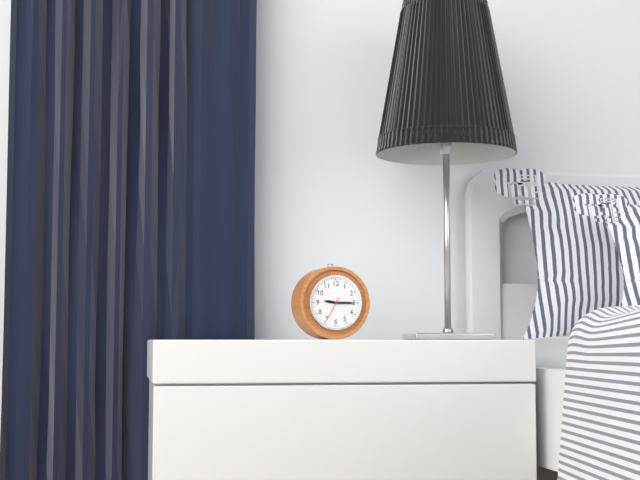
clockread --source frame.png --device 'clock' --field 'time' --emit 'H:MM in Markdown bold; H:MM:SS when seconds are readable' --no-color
**9:15**
